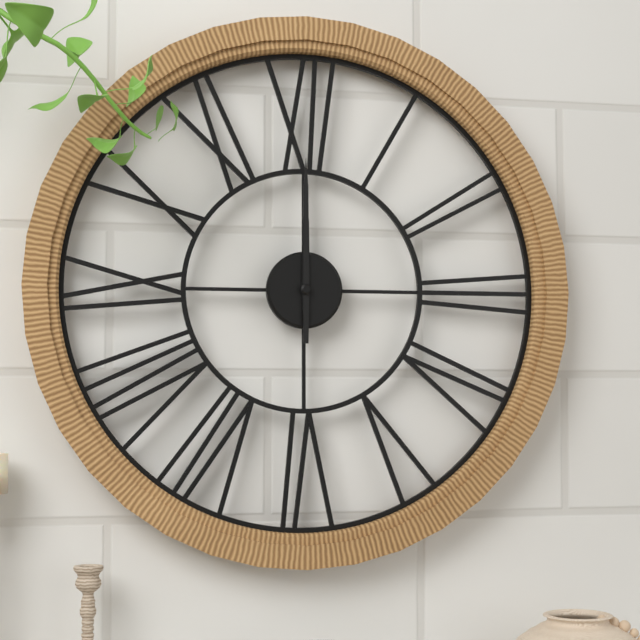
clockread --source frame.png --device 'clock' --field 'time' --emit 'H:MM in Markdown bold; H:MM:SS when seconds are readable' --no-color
**12:00**
